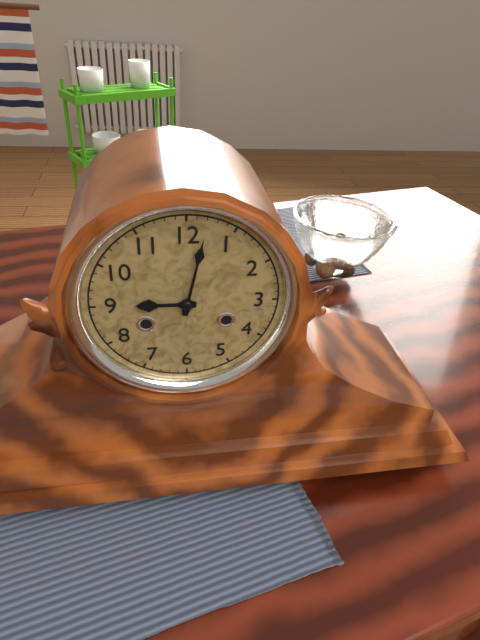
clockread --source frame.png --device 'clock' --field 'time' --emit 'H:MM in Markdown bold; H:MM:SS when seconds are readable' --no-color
**9:02**
